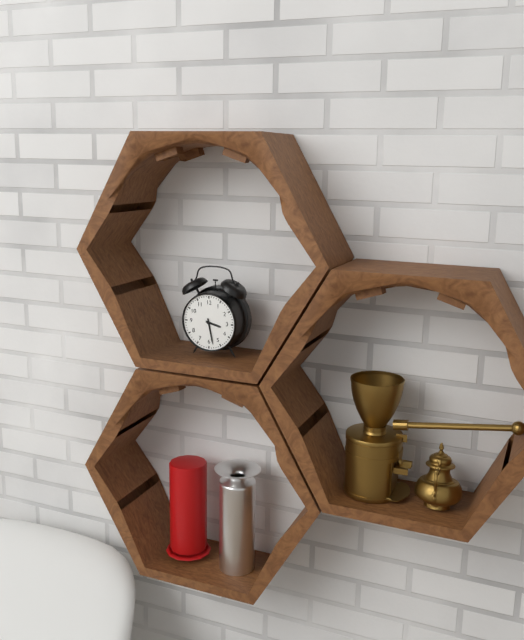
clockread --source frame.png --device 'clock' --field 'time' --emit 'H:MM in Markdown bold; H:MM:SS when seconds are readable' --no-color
**3:28**
